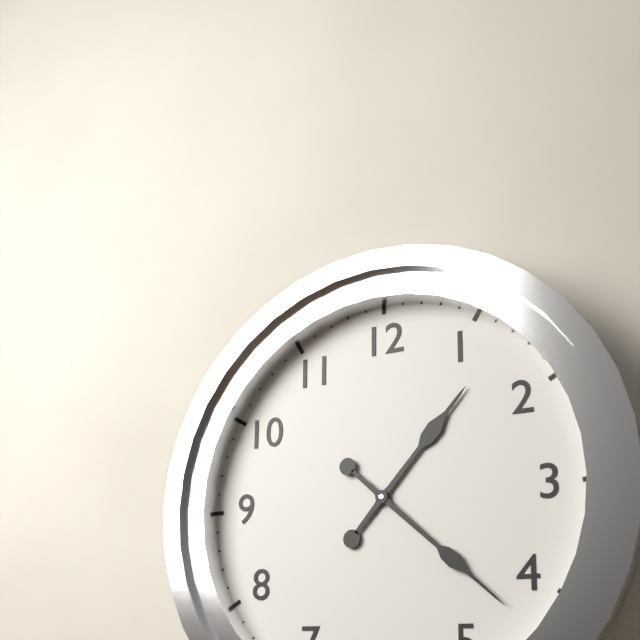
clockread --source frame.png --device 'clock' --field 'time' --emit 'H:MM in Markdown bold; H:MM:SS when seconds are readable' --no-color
**1:22**
